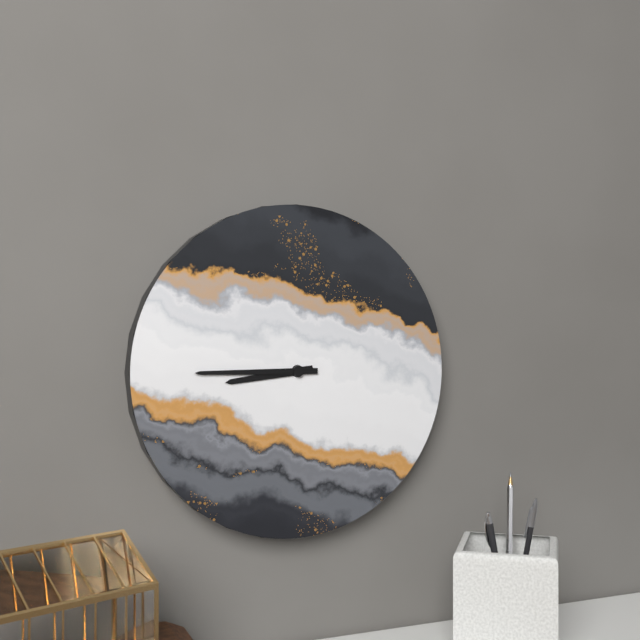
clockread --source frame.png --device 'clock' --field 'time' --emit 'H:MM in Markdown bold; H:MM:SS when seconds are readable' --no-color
**8:45**
